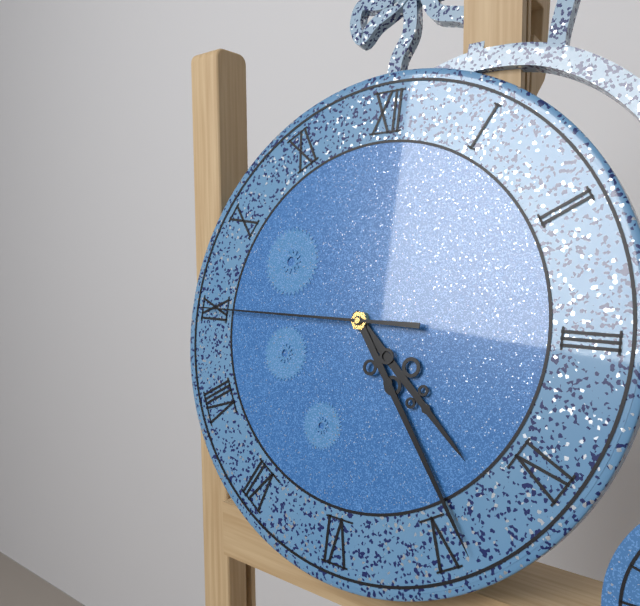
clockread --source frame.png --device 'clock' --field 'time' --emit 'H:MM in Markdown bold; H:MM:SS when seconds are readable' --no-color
**4:24:45**
